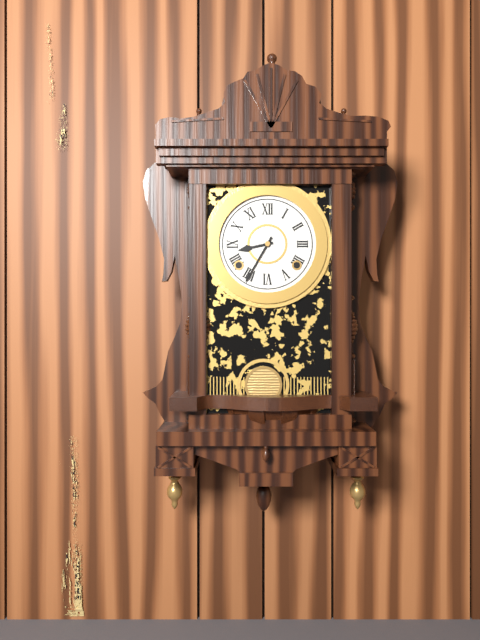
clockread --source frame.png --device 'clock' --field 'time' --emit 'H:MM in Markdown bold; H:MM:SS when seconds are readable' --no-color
**8:35**
